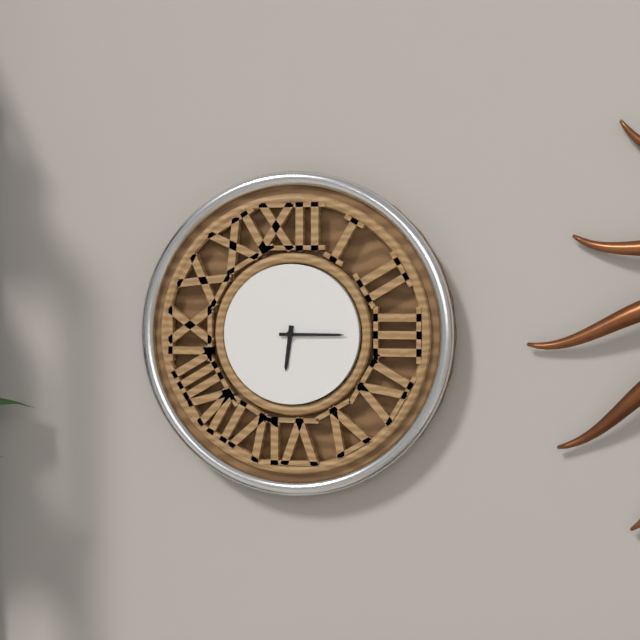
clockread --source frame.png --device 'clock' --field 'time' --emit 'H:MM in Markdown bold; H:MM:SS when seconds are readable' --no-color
**6:15**
